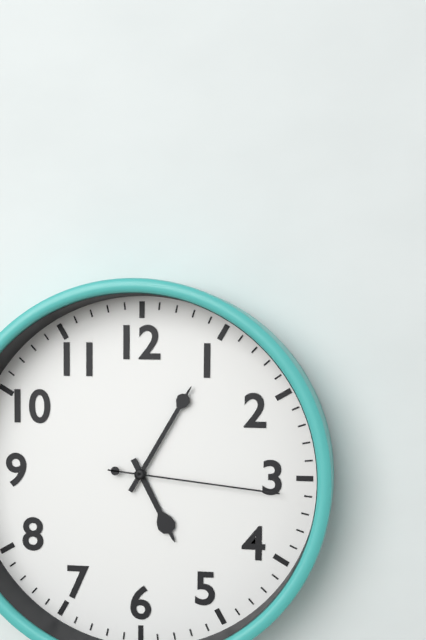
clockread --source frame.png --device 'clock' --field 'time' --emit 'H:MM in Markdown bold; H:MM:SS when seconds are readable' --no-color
**5:05:16**
